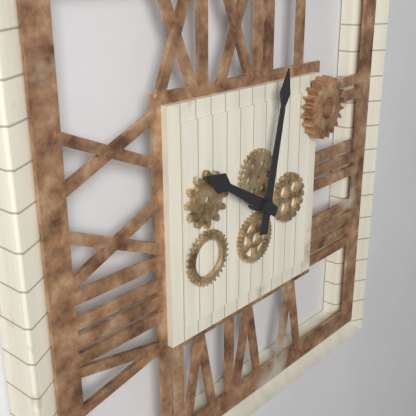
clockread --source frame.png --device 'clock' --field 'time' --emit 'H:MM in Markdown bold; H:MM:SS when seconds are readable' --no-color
**10:02**
